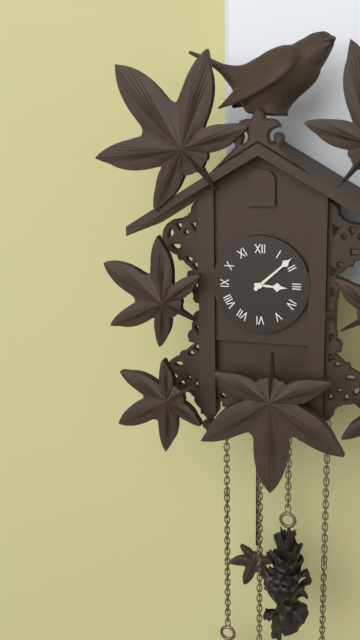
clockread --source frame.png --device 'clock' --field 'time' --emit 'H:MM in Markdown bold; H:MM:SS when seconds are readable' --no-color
**3:08**
